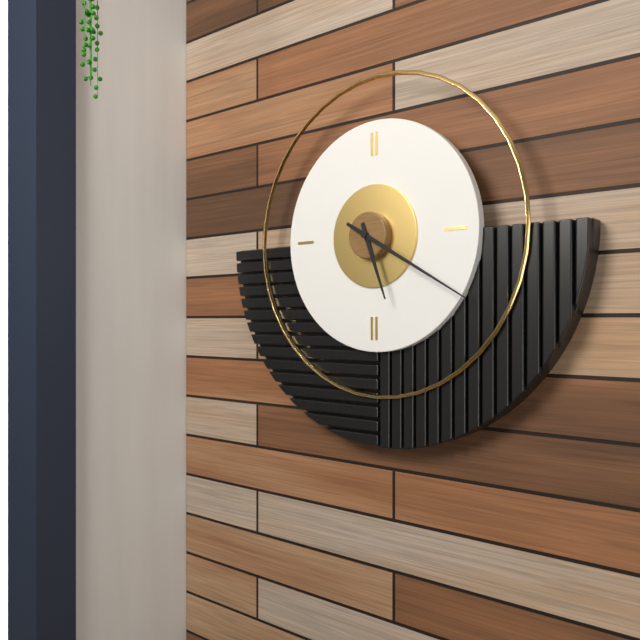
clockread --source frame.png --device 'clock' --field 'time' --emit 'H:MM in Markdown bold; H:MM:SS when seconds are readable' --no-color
**5:20**
